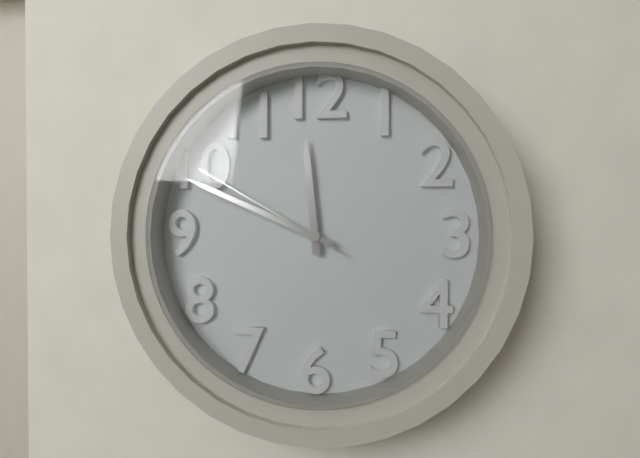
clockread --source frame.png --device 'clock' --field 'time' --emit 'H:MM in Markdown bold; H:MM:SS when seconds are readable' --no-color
**11:49:50**
